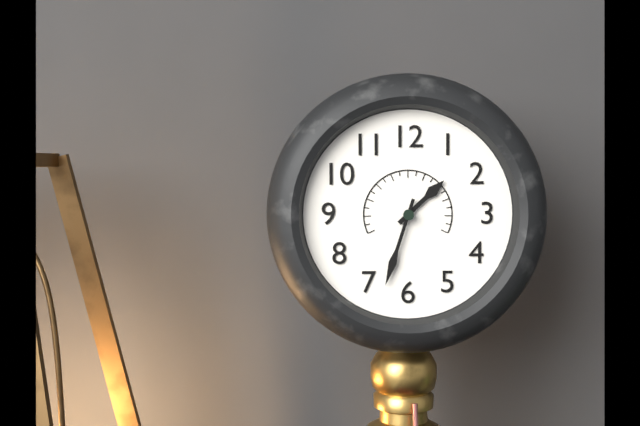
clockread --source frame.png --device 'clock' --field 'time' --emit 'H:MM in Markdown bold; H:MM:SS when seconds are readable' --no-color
**1:33**
